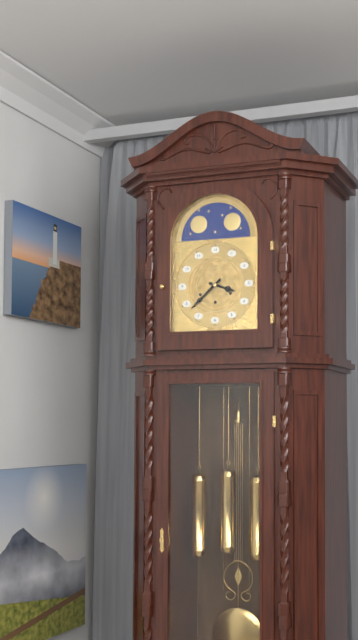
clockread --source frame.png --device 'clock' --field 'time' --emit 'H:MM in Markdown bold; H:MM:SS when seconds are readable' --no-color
**3:38**
